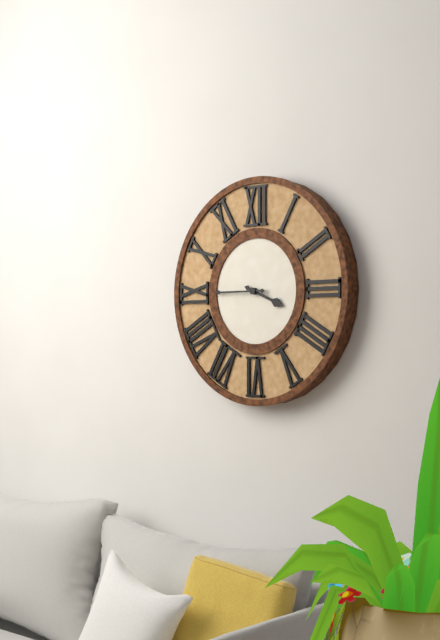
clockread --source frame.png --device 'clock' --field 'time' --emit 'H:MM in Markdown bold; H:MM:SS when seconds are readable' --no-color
**3:45**
